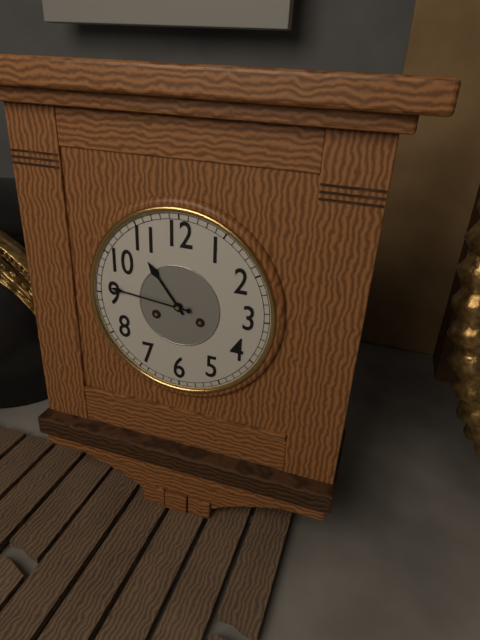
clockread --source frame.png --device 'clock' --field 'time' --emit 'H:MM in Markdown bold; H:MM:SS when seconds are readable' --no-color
**10:46**
